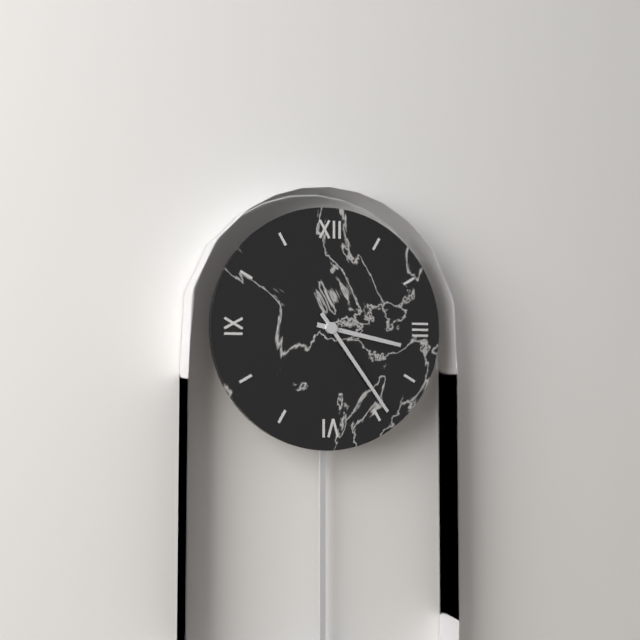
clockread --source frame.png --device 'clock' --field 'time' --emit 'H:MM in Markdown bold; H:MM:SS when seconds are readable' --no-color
**3:24**
